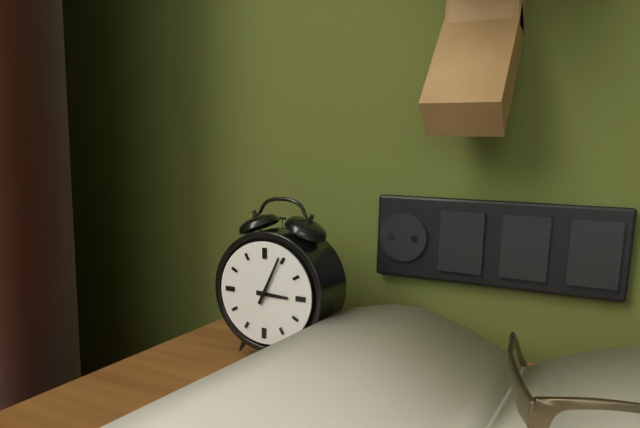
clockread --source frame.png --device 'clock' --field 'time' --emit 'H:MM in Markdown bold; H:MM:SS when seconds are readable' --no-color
**3:04**
